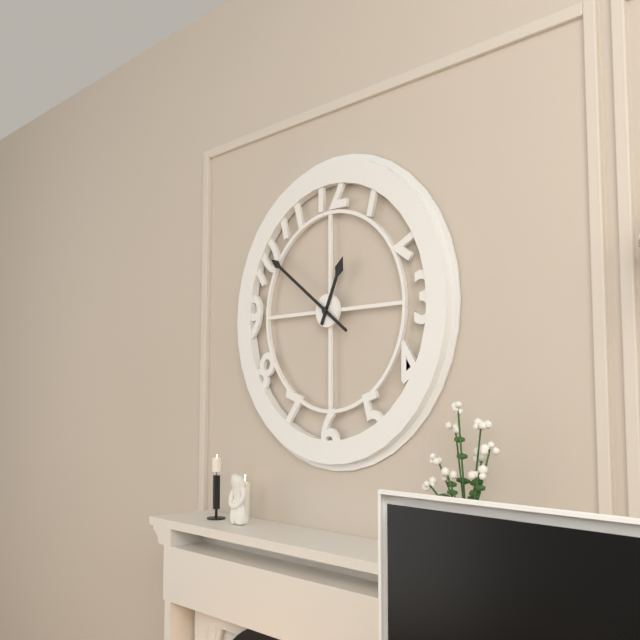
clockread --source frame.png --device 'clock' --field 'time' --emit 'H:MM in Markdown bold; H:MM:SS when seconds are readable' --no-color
**12:51**
